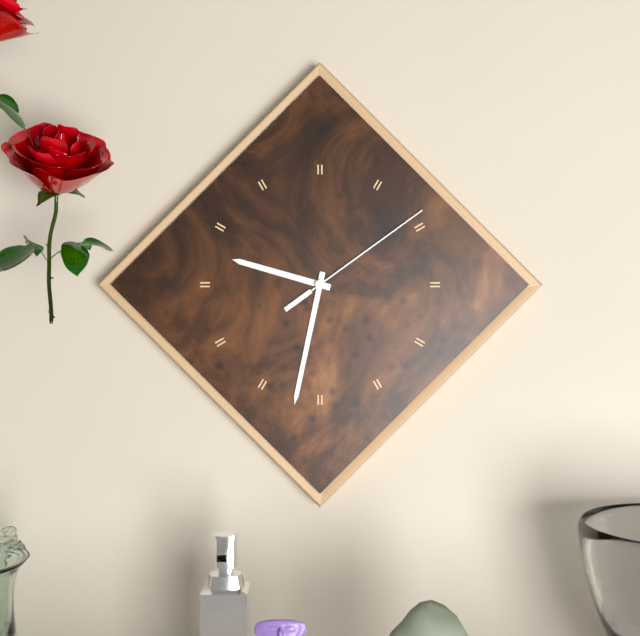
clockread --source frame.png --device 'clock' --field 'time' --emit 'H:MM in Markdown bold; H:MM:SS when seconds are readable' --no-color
**9:32:09**
